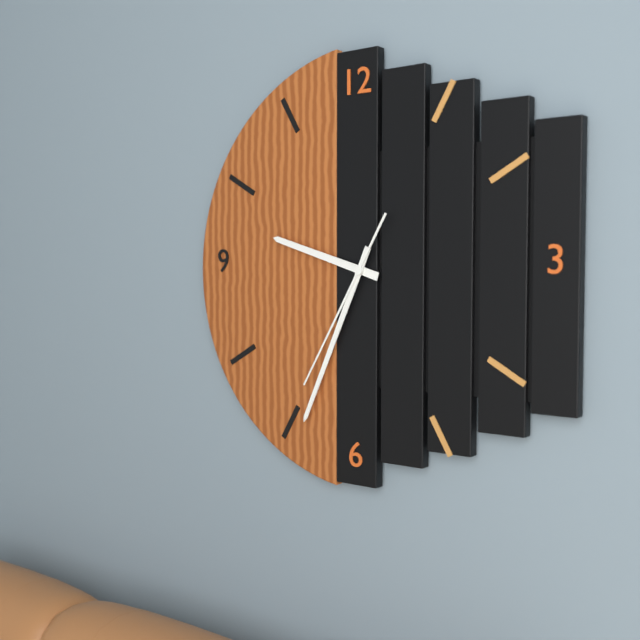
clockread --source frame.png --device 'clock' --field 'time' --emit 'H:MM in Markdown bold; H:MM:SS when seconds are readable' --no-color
**9:34:35**
